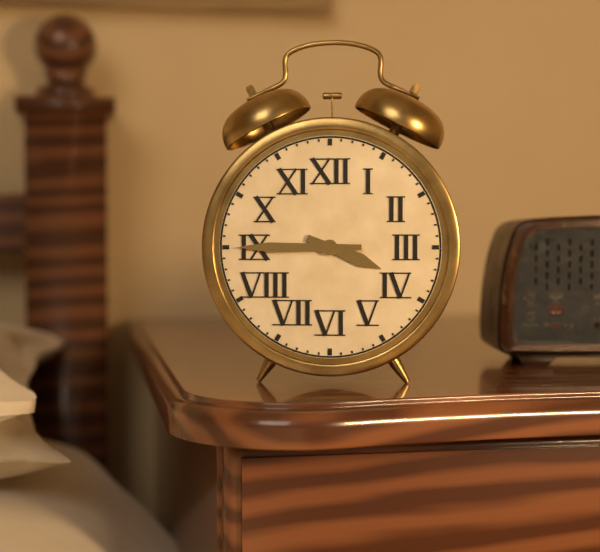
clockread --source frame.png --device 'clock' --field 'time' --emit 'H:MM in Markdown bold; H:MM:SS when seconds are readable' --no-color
**3:45**
